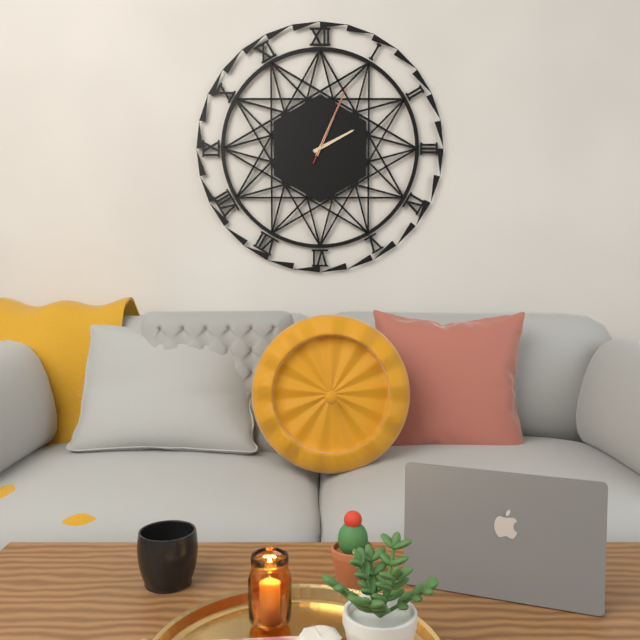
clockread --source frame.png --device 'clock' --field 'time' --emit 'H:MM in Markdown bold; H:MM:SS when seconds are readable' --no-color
**2:04:04**
